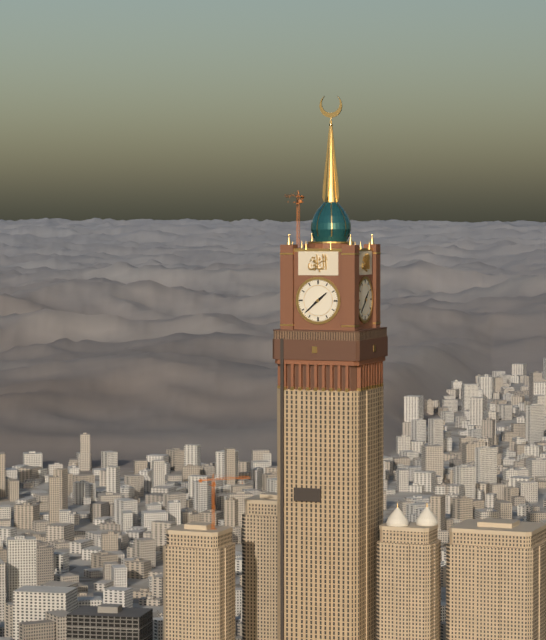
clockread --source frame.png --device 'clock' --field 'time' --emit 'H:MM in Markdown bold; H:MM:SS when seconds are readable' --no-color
**1:38**
